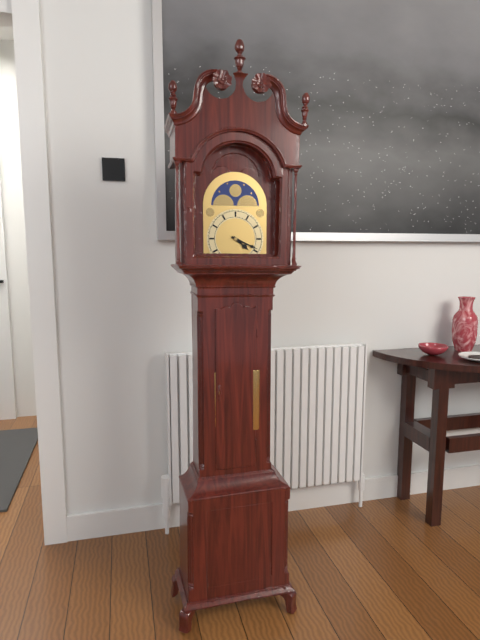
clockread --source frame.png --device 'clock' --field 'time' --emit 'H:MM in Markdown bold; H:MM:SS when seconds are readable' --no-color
**4:19**
